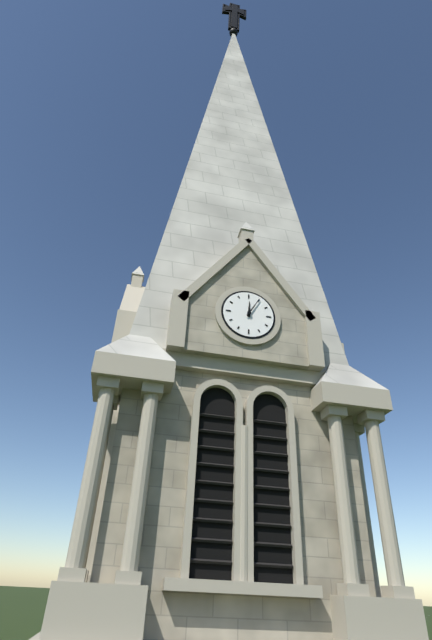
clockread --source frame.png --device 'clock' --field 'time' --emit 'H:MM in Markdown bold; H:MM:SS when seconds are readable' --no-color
**12:05**
